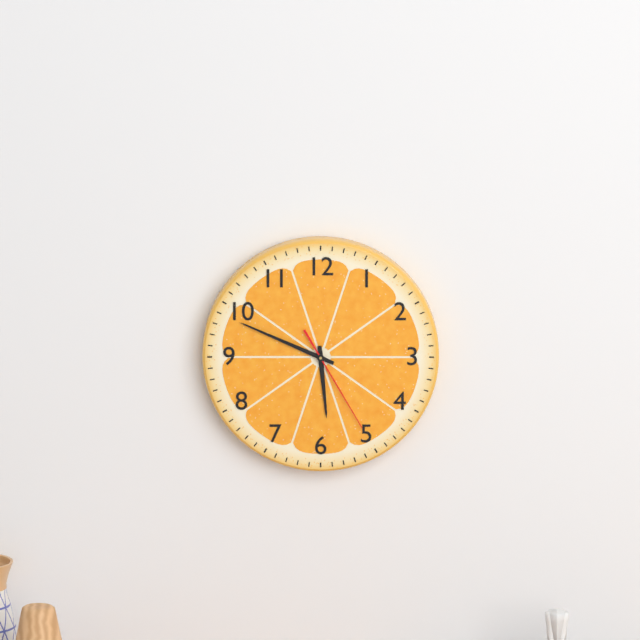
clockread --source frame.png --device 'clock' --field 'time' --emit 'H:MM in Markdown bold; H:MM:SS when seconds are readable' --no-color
**5:49:25**
